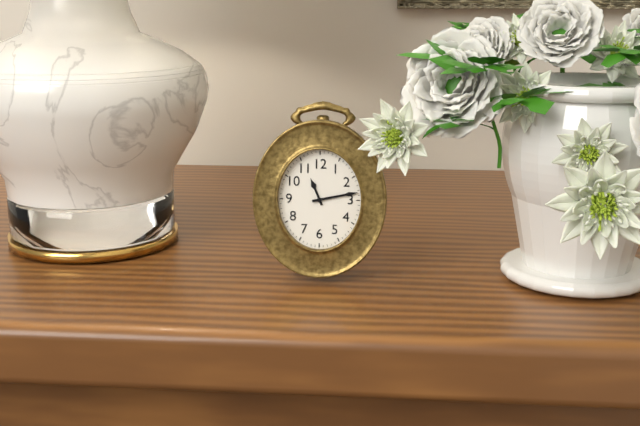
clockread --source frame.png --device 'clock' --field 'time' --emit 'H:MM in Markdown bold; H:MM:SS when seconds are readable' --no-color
**11:13**
